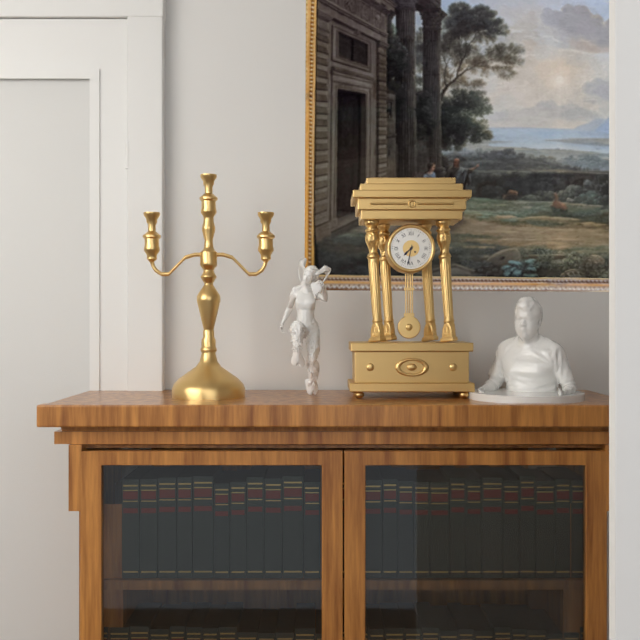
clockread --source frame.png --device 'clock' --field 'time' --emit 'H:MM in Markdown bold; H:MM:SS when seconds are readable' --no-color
**7:32**
